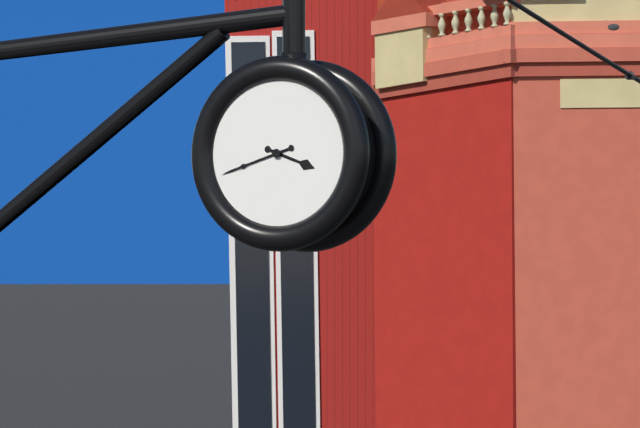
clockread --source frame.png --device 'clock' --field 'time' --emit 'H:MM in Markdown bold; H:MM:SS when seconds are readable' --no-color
**3:42**
